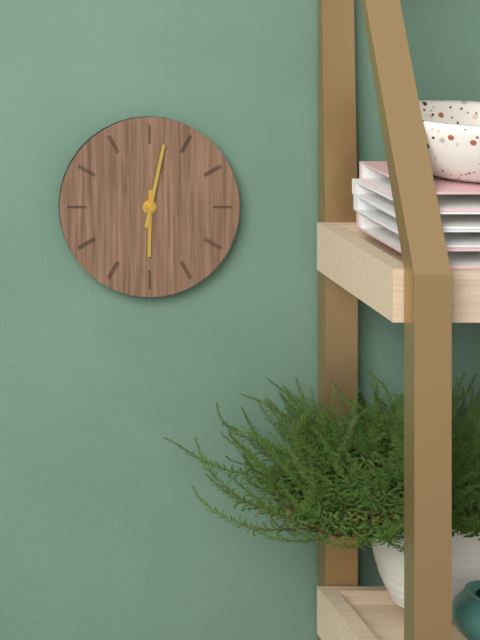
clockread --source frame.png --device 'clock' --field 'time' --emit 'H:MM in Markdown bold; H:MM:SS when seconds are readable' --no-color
**6:02**
